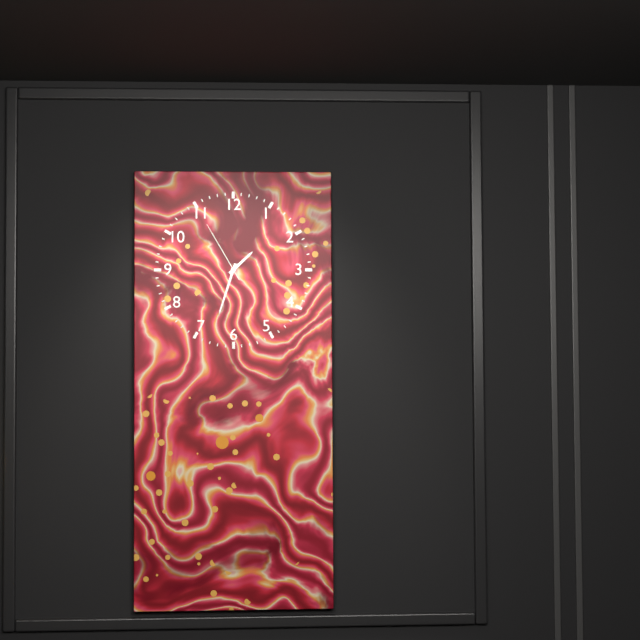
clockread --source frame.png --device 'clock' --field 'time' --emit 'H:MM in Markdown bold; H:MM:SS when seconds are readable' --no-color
**1:33:55**
